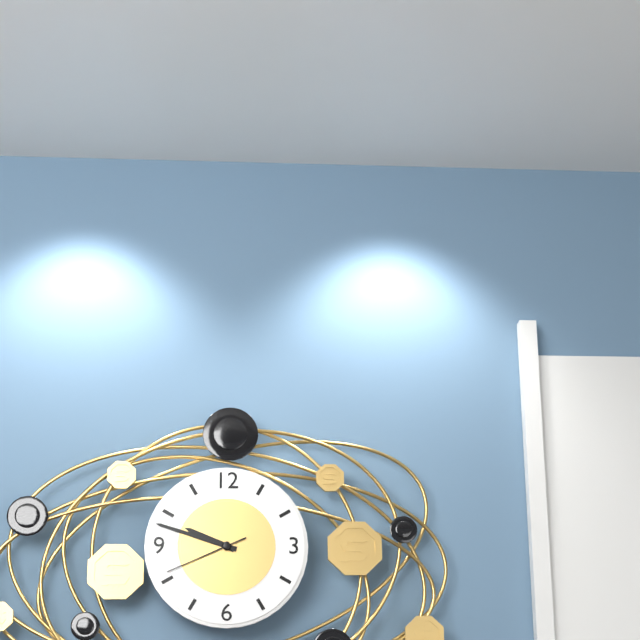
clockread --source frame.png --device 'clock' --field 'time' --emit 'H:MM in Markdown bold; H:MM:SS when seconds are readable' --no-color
**9:48:41**
